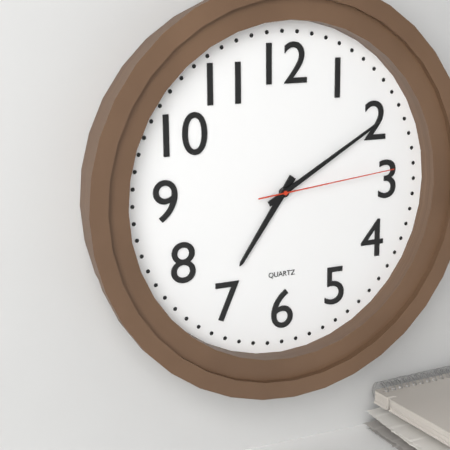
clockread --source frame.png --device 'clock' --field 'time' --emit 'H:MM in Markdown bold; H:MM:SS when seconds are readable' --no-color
**7:10:14**
